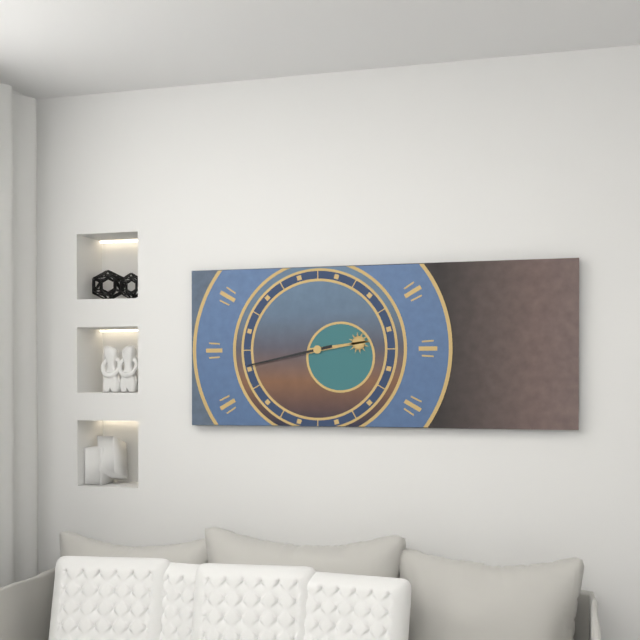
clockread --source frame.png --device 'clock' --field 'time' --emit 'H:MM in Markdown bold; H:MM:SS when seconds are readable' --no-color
**2:43**
